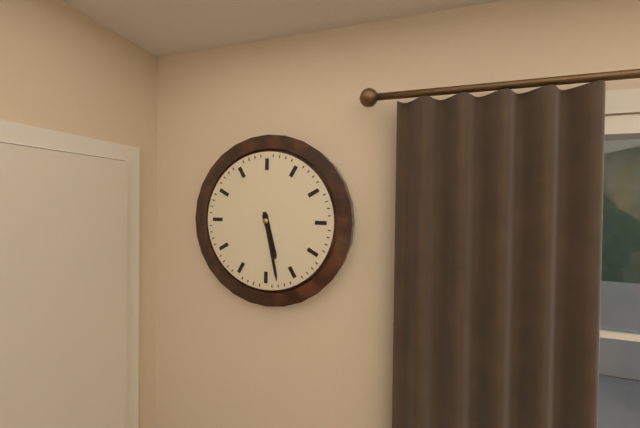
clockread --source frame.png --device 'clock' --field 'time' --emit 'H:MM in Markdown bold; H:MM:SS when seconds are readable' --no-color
**5:28**
